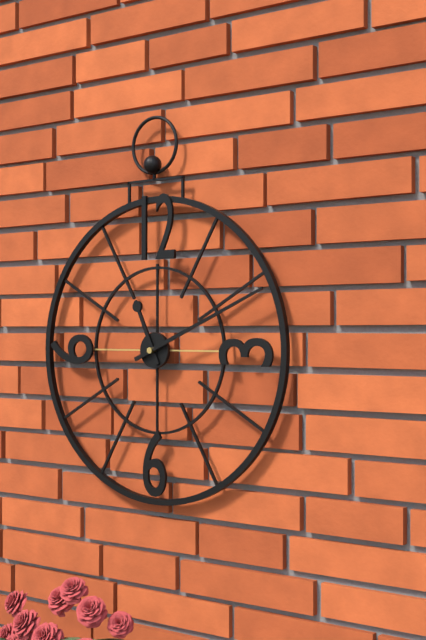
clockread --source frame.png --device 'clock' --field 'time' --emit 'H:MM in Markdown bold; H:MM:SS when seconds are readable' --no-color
**11:11**
